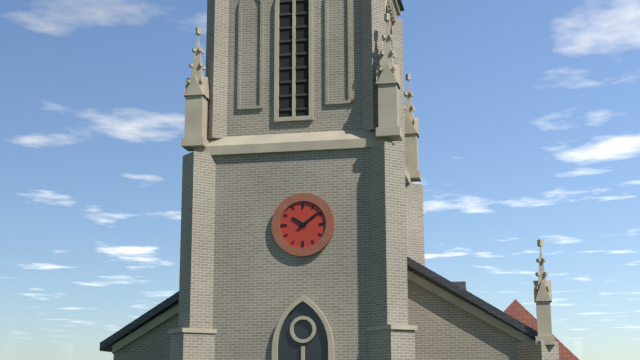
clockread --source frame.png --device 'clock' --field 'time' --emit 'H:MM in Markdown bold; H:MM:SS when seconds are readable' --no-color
**10:09**
